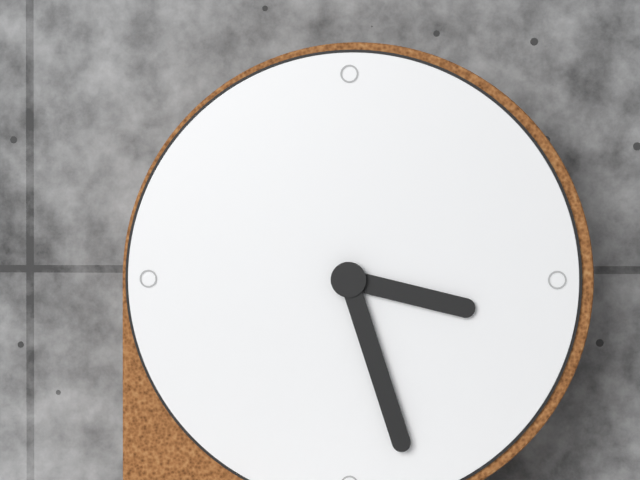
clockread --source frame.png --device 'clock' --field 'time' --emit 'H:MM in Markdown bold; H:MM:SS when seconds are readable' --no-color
**3:27**
